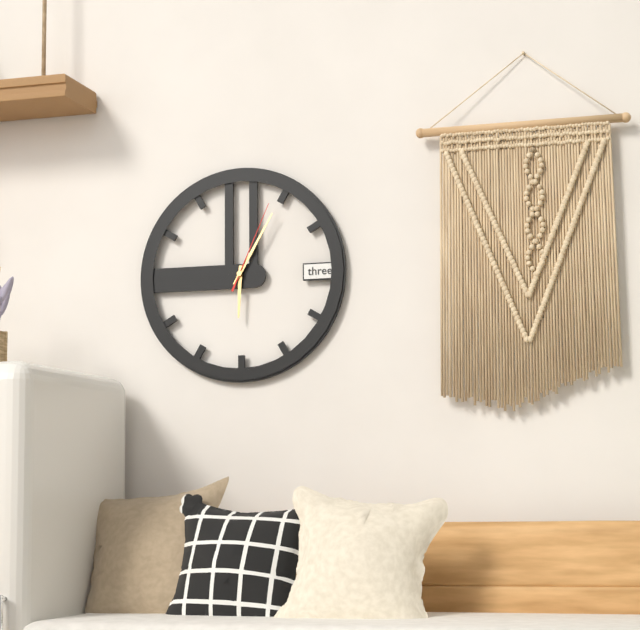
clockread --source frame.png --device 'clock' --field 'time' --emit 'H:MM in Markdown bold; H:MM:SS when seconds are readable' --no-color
**6:05:04**
